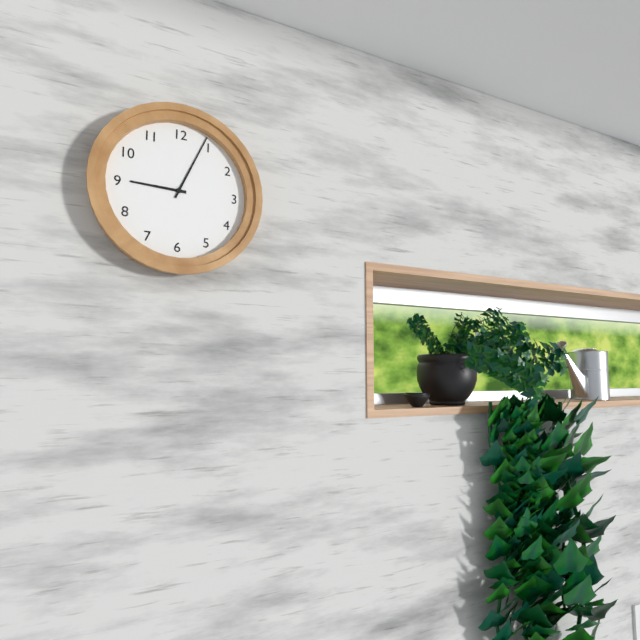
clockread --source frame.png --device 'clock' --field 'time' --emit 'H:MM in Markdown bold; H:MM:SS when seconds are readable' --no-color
**9:04**
